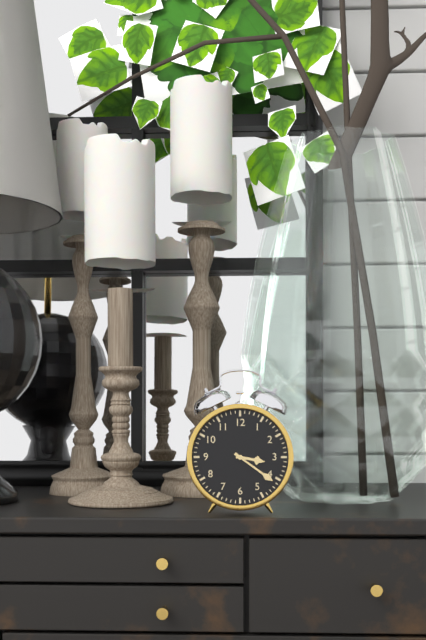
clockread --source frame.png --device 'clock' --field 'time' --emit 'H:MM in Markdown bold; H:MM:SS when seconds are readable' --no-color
**3:21**
